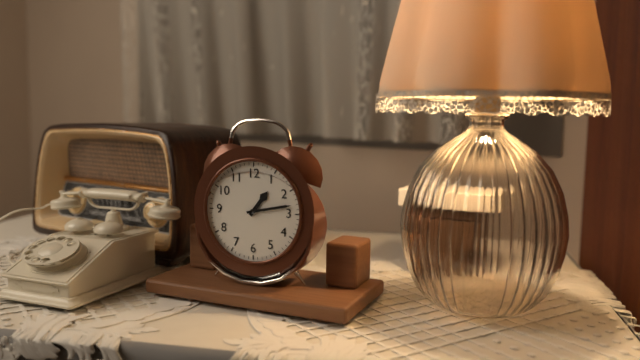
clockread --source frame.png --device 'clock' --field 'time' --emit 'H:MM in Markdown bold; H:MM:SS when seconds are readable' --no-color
**1:13**
